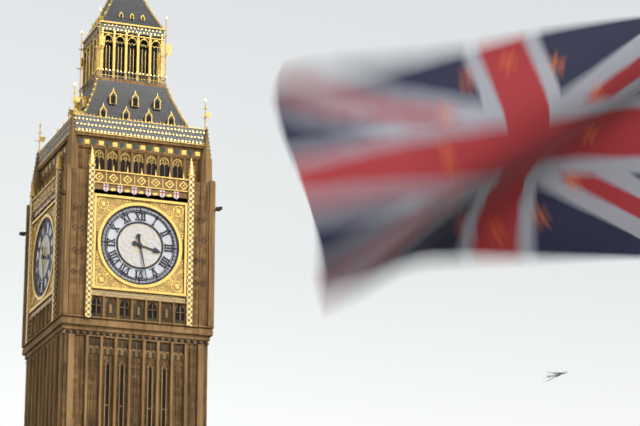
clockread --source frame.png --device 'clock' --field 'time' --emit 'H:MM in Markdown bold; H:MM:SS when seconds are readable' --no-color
**3:28**
